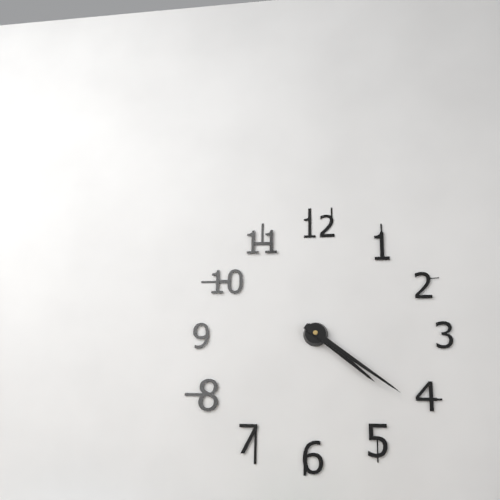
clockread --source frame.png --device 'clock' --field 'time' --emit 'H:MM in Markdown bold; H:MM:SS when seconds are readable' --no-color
**4:21**
